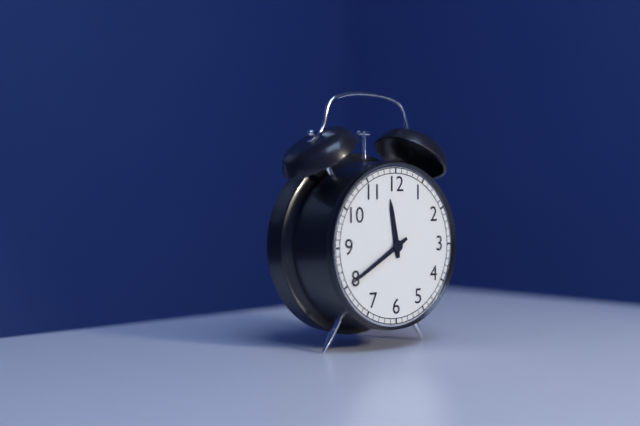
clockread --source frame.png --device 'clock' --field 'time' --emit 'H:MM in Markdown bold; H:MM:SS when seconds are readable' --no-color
**11:40**
